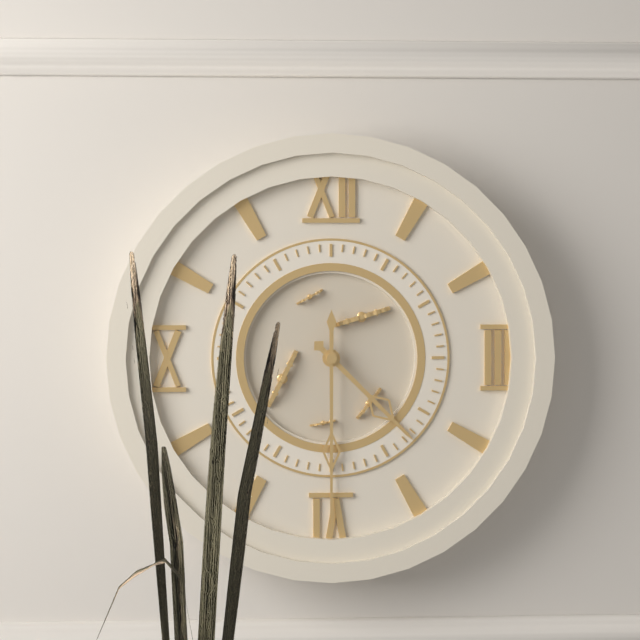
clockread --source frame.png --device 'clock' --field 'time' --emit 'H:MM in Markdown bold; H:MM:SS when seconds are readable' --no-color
**4:30**
